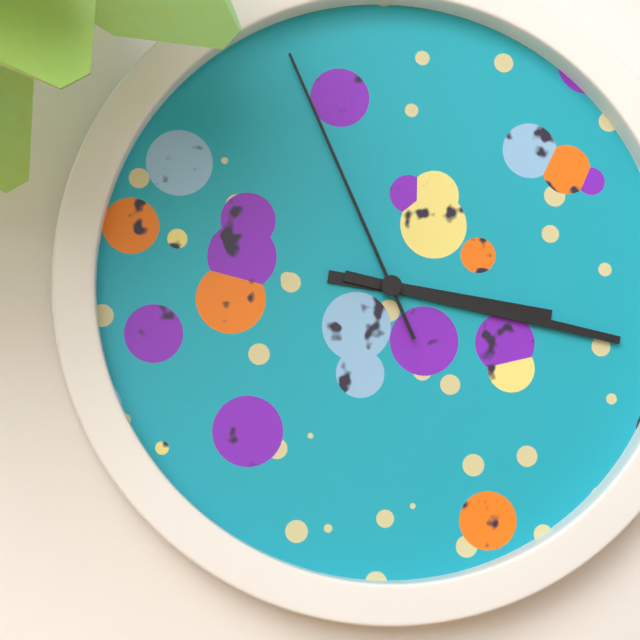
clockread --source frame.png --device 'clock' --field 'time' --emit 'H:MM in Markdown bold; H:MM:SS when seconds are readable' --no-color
**3:17:56**
